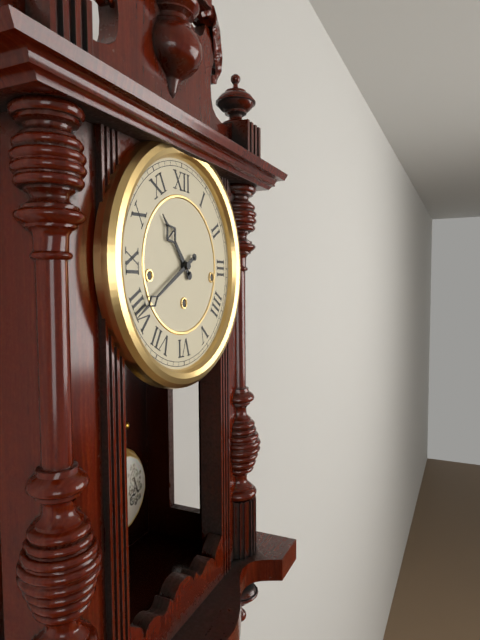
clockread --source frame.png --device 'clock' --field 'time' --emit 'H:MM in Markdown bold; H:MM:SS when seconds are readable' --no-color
**10:40**
